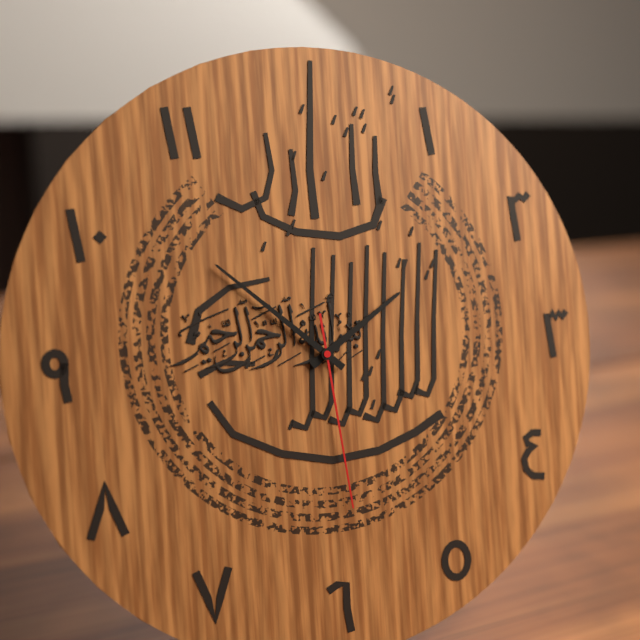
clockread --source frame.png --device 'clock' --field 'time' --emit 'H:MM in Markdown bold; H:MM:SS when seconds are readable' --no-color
**1:52:29**
